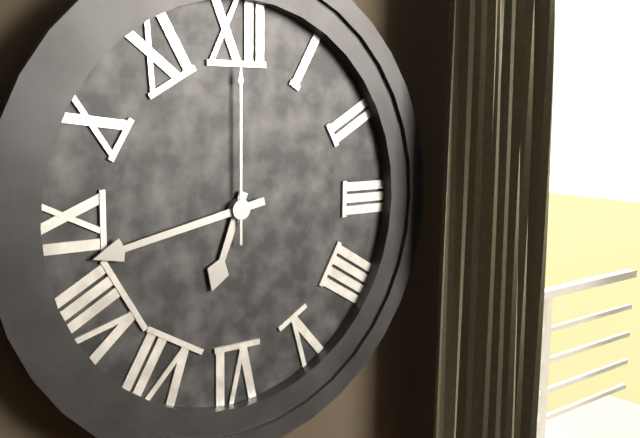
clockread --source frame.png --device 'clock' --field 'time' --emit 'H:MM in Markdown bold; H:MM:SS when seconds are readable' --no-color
**6:43:00**
